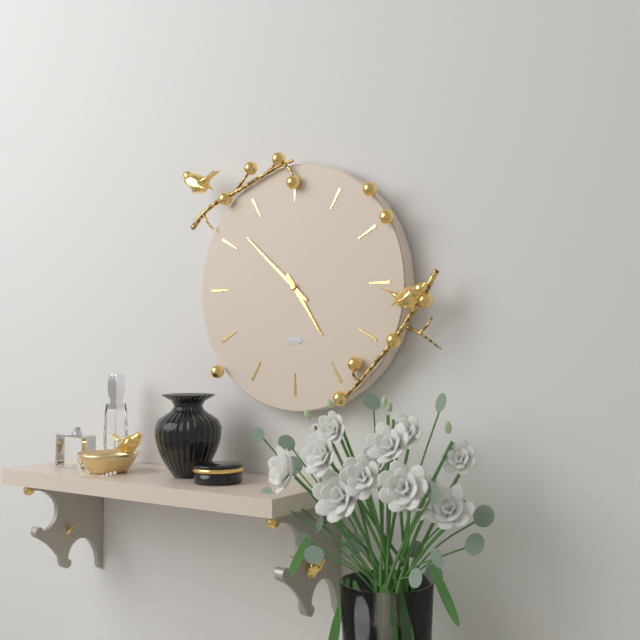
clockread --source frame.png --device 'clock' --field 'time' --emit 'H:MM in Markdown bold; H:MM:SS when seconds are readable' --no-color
**4:52**
